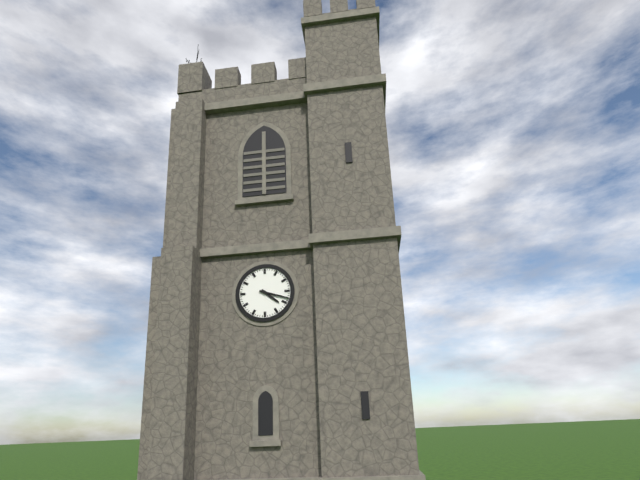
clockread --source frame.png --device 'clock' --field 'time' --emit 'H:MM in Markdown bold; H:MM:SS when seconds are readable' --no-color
**4:18**
